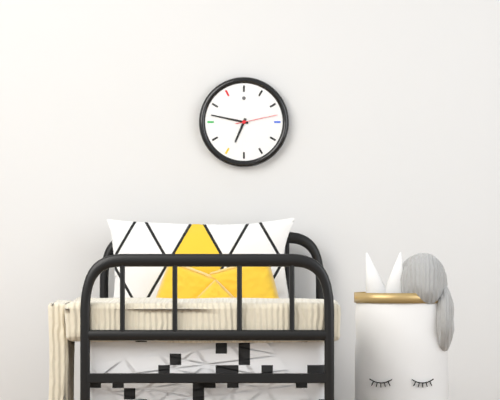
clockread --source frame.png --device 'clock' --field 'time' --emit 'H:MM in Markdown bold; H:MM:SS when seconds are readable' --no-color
**6:47**
